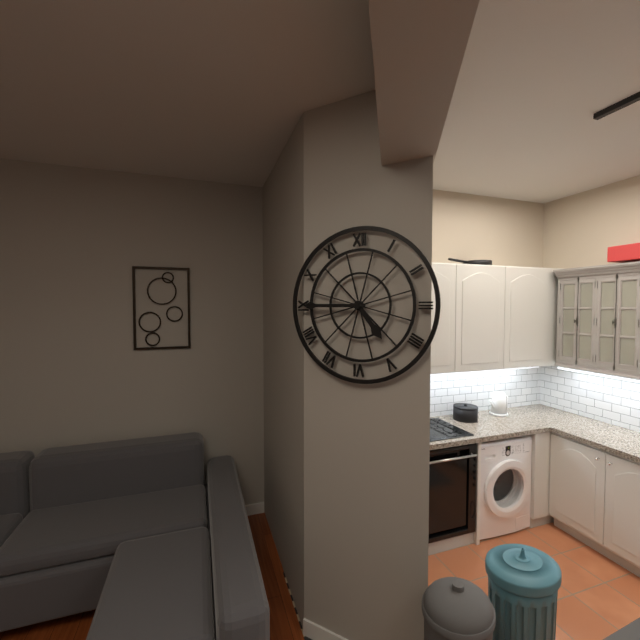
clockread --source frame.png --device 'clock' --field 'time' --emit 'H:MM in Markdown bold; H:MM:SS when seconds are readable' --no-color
**4:45**
